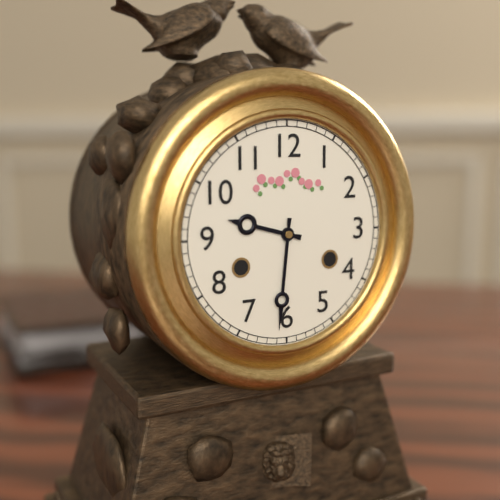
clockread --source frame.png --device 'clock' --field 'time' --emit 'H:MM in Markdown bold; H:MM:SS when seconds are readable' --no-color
**9:31**
